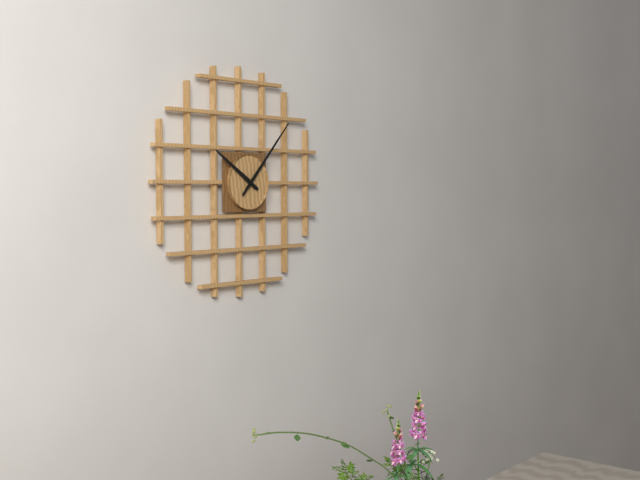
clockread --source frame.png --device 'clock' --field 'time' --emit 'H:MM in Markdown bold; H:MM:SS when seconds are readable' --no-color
**10:07**
